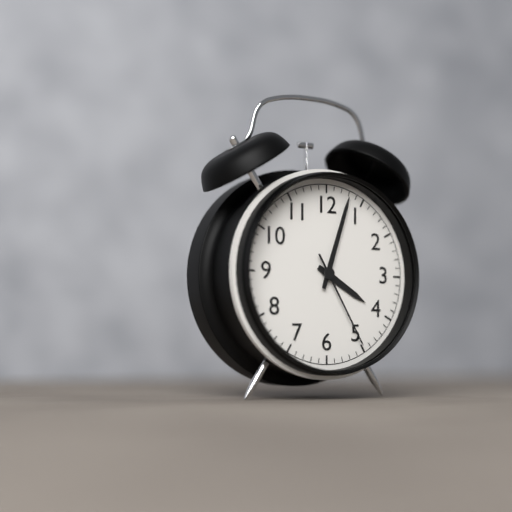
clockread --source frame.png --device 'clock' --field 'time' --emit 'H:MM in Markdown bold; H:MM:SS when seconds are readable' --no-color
**4:03:25**
